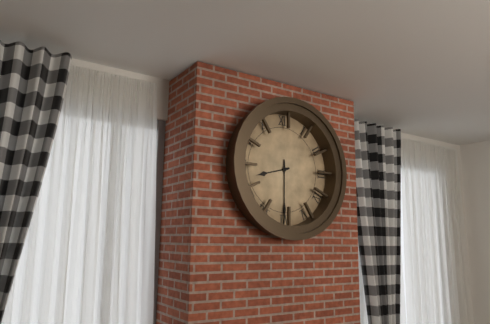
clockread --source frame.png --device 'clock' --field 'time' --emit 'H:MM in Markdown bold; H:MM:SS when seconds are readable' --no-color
**8:30**
